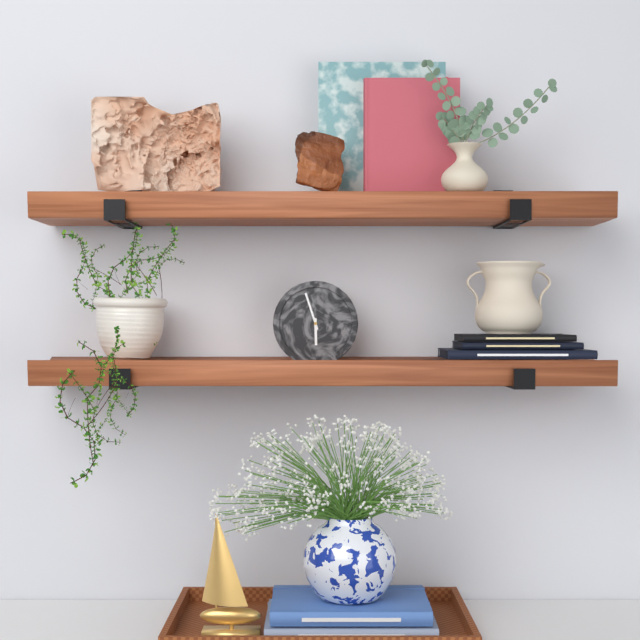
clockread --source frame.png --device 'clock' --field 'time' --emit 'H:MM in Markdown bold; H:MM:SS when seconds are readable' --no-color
**5:57**
